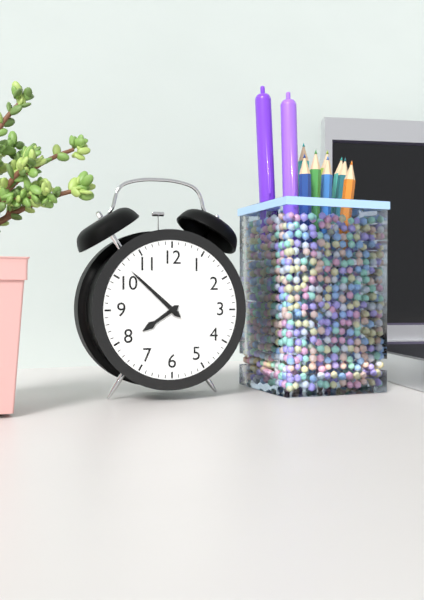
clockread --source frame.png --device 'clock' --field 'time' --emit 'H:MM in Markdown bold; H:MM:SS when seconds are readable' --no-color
**7:52**
